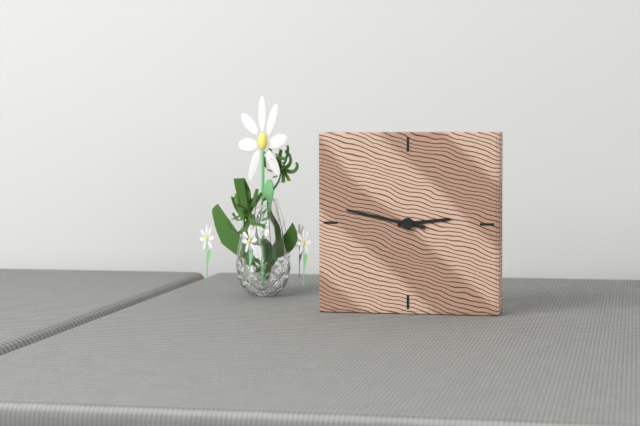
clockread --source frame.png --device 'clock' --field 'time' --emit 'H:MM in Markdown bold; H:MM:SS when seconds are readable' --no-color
**2:47**
